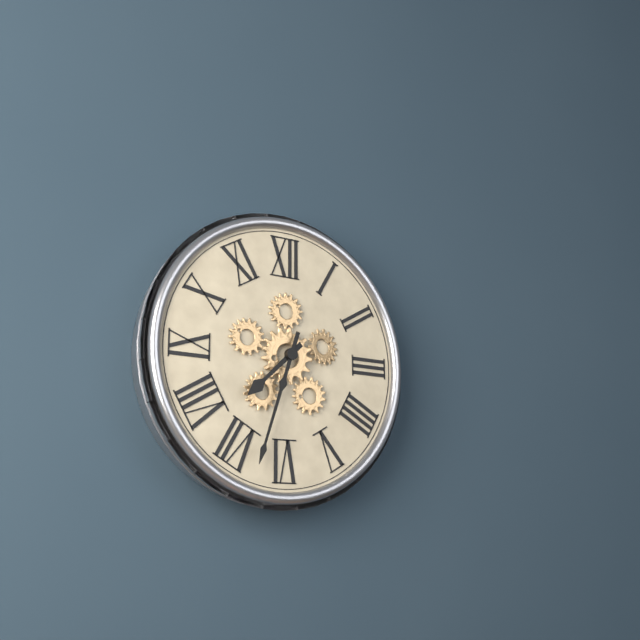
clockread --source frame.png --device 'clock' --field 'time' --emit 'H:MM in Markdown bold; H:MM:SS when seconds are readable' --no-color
**7:33**
